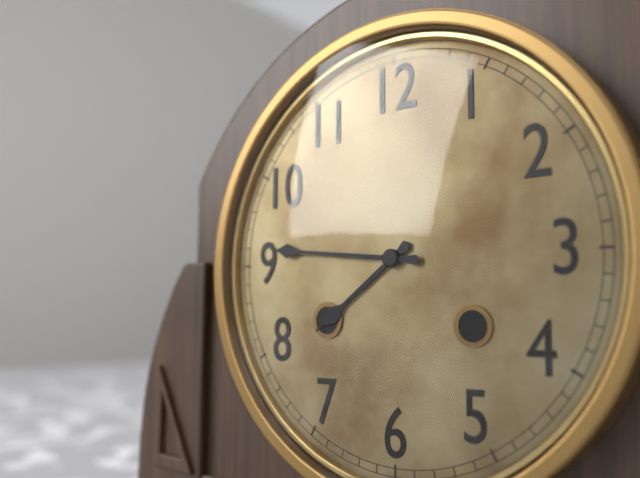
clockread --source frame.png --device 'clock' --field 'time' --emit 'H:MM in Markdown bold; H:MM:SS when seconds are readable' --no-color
**7:46**
